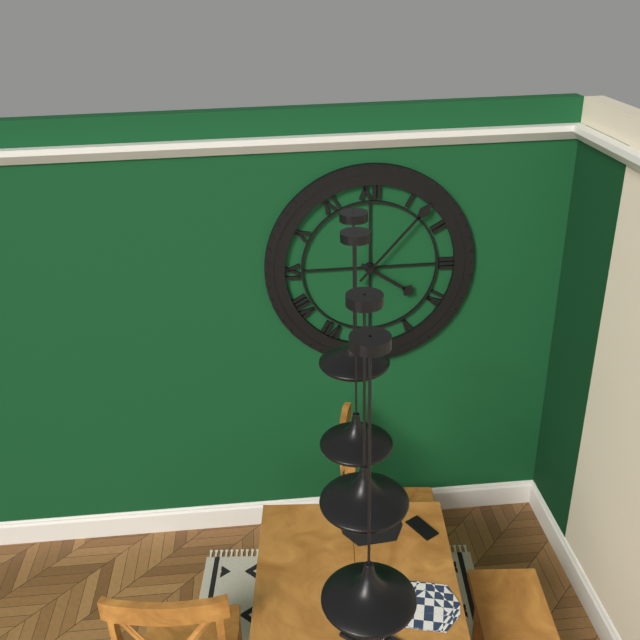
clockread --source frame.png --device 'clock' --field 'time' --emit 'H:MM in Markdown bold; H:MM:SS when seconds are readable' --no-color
**4:07**
